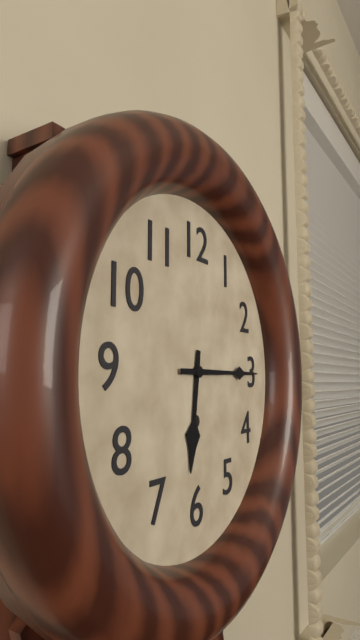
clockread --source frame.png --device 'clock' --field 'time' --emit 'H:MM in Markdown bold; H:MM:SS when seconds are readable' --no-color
**6:15**
